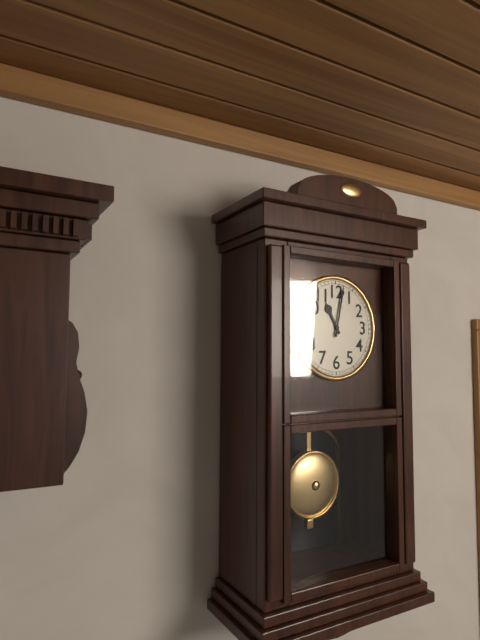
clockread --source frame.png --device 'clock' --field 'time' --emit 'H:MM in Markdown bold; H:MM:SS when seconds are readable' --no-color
**11:02**
